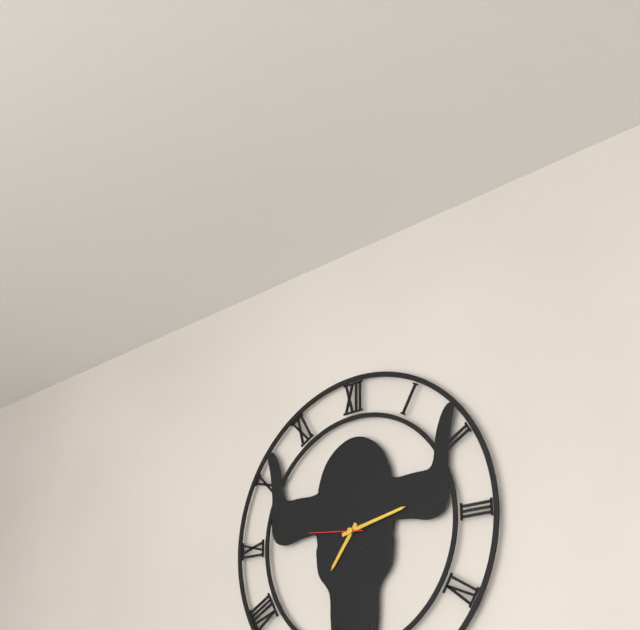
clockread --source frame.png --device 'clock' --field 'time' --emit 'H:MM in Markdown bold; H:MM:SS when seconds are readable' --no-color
**7:13:46**
